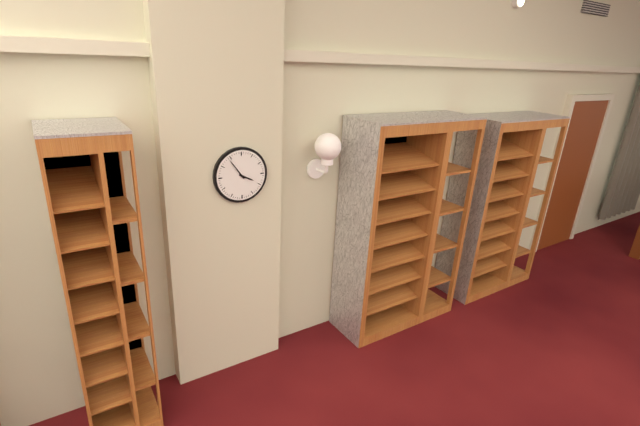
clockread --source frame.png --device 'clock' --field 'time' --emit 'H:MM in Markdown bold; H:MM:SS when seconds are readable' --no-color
**3:54**
